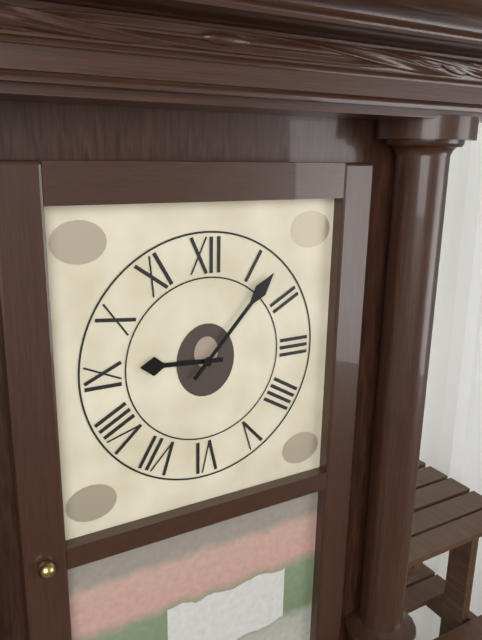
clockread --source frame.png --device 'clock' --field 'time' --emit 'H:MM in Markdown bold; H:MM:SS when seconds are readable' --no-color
**9:07**
